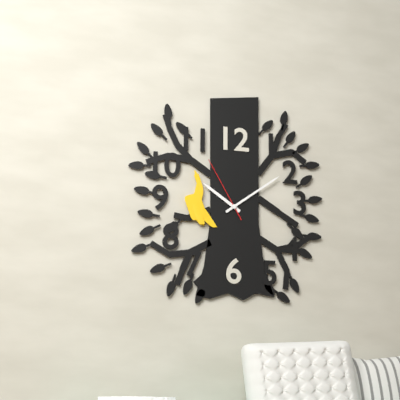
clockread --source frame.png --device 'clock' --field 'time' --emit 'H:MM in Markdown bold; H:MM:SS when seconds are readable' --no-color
**10:09:55**
